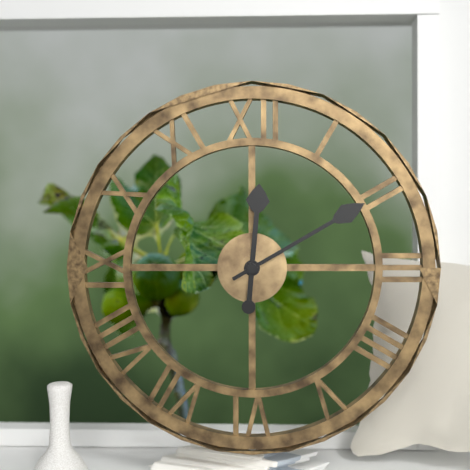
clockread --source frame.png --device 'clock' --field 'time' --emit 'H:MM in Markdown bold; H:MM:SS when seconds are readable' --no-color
**12:10**
